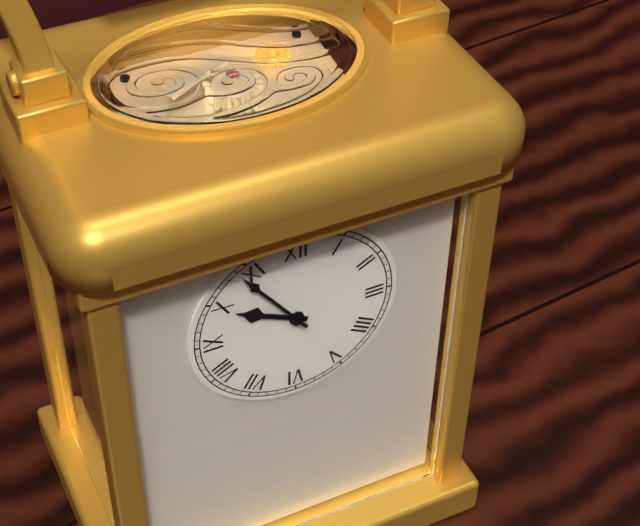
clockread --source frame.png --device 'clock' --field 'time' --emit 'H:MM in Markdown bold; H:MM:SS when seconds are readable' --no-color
**9:54**
